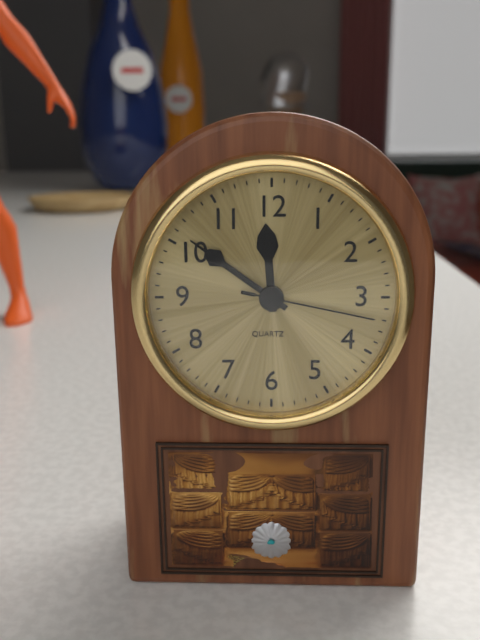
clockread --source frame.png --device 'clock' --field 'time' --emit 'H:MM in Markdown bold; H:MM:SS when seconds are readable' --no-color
**11:51:17**
